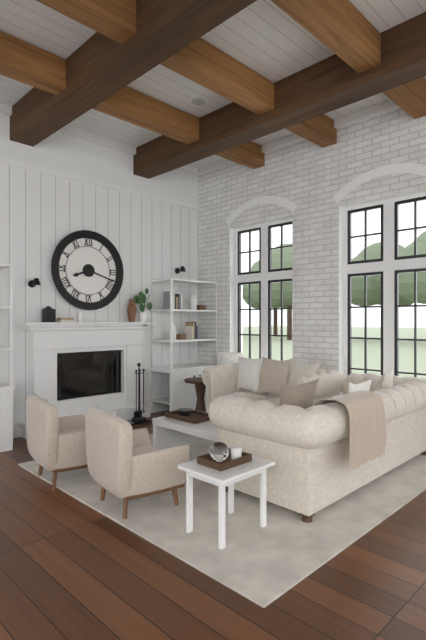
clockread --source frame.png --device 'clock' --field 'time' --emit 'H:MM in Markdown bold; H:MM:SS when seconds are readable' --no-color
**8:18**
